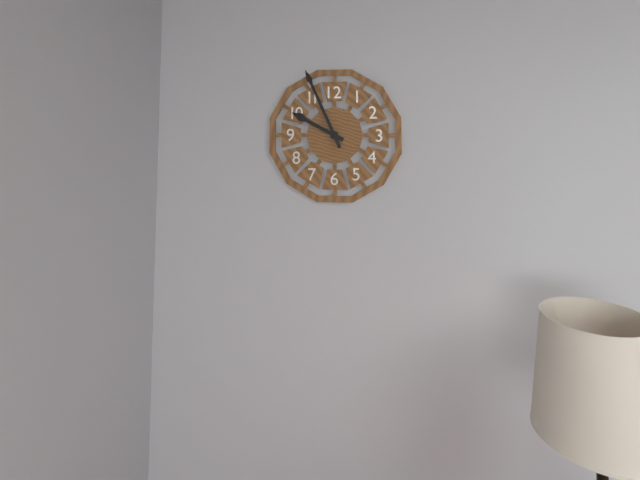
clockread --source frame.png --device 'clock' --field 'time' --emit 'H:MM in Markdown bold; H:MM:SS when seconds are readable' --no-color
**9:56**
